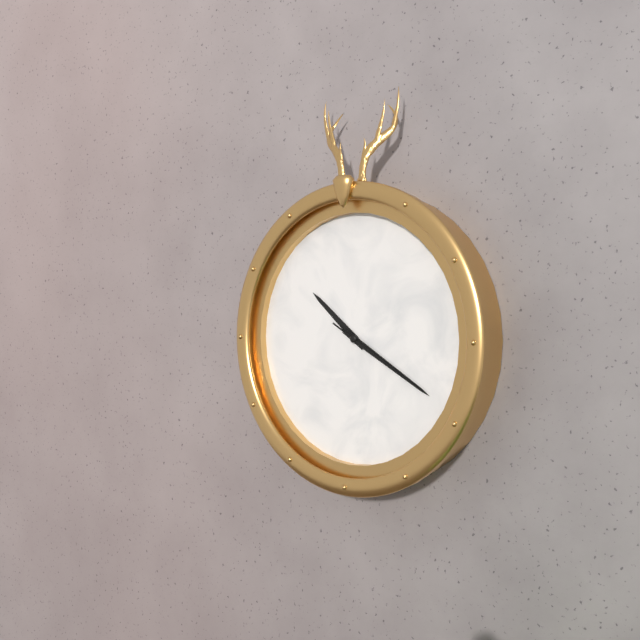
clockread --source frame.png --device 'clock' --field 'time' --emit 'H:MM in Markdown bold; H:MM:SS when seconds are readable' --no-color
**10:20:20**
